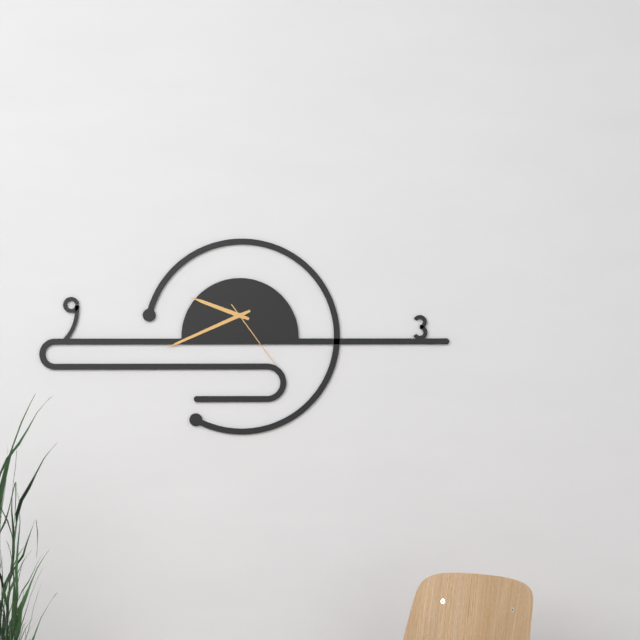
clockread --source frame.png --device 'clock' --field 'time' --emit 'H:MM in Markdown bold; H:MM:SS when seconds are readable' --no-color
**9:41:24**
